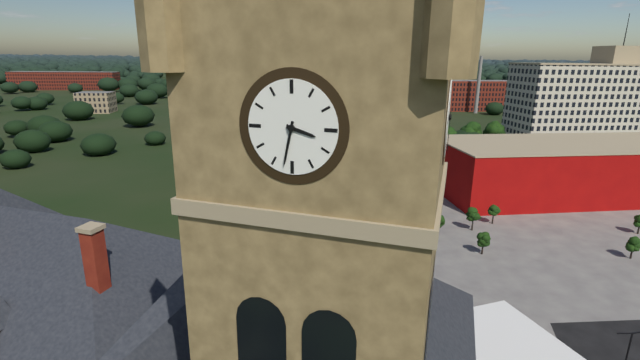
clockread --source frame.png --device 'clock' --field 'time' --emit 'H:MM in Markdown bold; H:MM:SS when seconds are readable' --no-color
**3:32**
